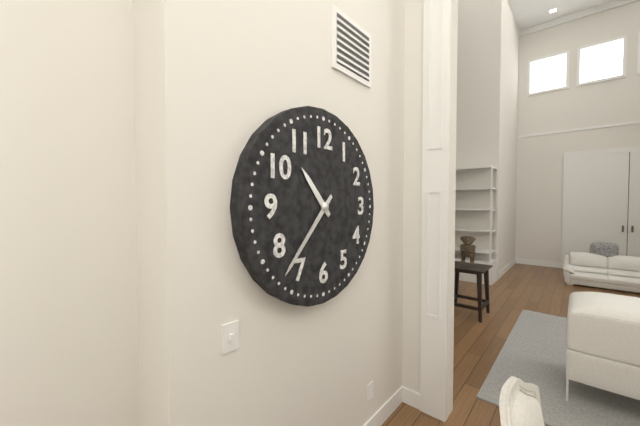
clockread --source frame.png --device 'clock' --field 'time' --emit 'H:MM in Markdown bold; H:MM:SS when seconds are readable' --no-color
**10:37**
